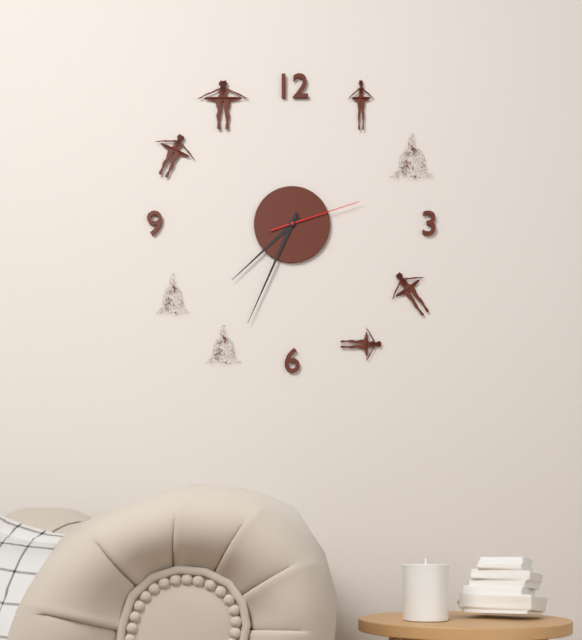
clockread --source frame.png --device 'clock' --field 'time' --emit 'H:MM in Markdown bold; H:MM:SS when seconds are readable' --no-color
**7:34:12**
